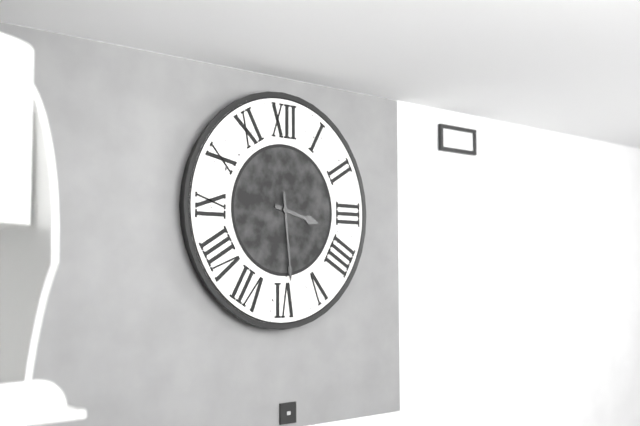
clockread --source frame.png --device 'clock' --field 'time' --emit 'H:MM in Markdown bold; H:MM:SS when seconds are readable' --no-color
**3:29**
